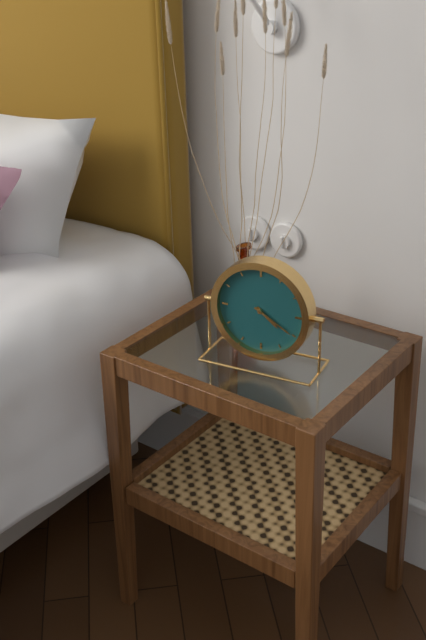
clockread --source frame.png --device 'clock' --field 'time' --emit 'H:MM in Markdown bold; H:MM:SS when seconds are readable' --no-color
**4:20**
